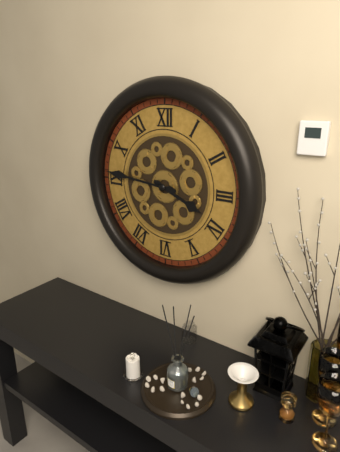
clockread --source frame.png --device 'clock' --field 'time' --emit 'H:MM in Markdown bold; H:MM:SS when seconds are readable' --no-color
**3:46**
